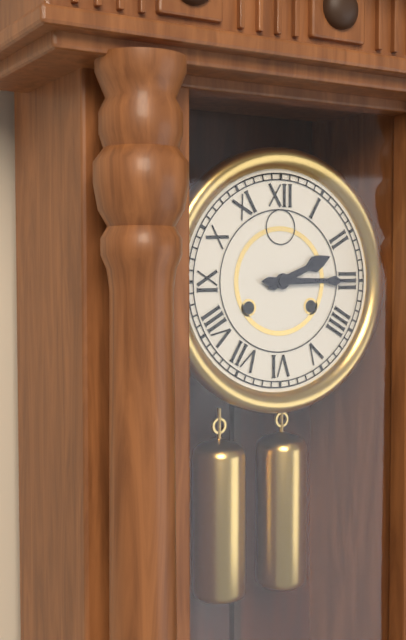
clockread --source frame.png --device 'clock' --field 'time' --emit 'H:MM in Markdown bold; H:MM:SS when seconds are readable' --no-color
**2:15**
